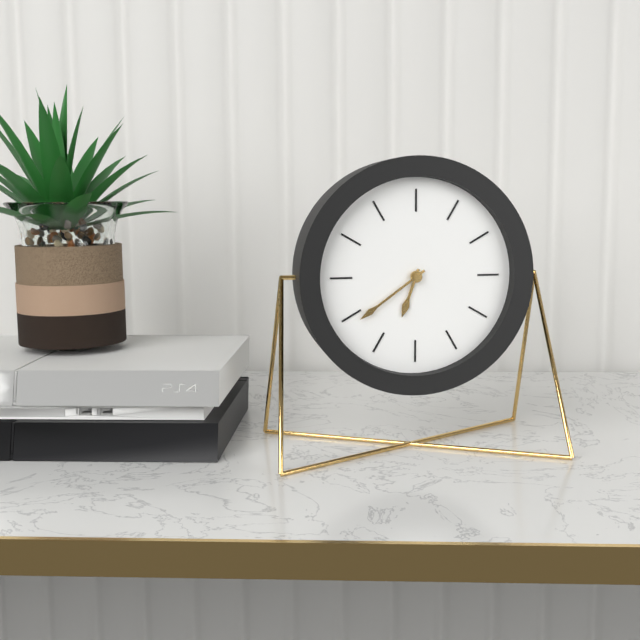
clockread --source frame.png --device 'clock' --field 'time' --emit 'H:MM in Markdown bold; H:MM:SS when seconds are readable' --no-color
**6:39**
